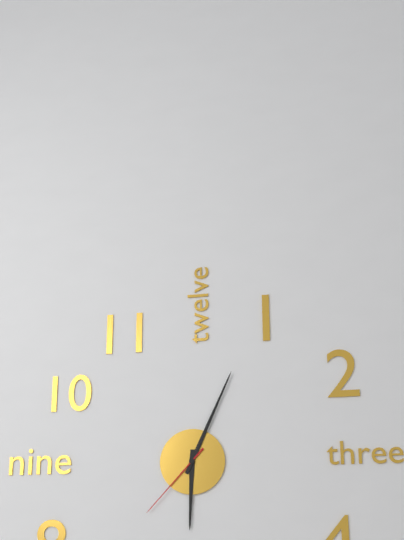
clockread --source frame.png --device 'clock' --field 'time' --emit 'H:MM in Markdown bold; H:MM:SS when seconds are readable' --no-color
**6:04:37**
